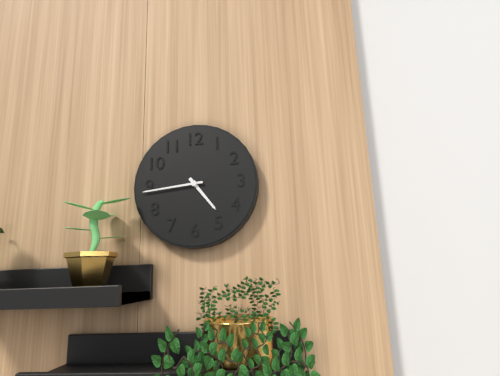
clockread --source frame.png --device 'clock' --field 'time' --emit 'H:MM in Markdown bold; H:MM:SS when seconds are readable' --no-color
**4:44**
